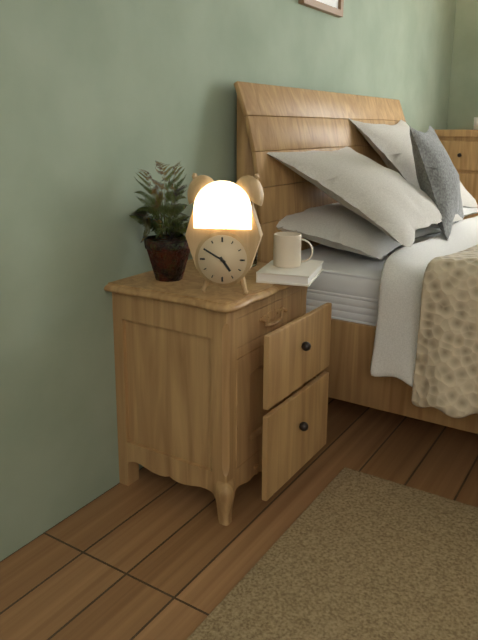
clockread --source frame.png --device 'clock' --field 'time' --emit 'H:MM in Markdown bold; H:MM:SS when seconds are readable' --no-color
**4:50**
